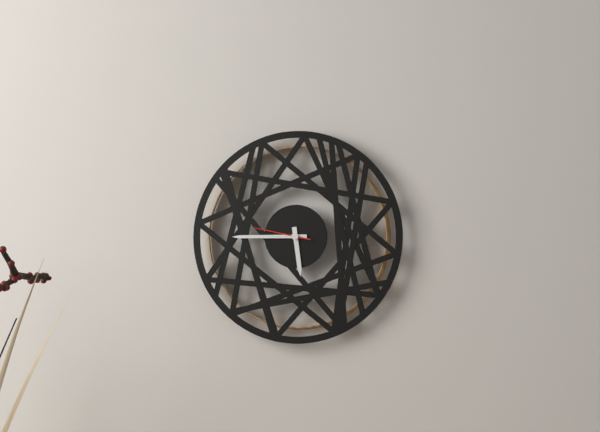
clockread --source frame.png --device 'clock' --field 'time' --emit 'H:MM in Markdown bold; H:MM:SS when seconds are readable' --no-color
**5:45:47**
